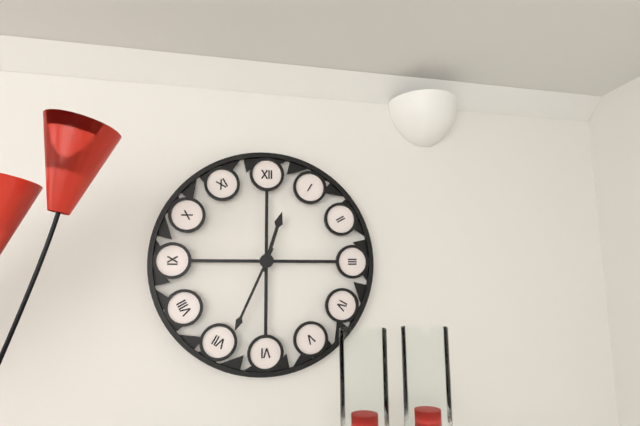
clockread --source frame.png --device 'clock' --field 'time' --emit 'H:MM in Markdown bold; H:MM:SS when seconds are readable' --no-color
**12:34**
